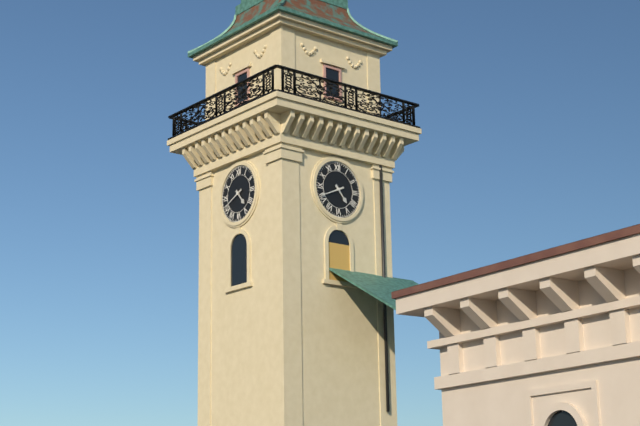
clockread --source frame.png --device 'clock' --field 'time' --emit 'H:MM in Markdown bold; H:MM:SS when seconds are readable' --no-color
**4:41**
